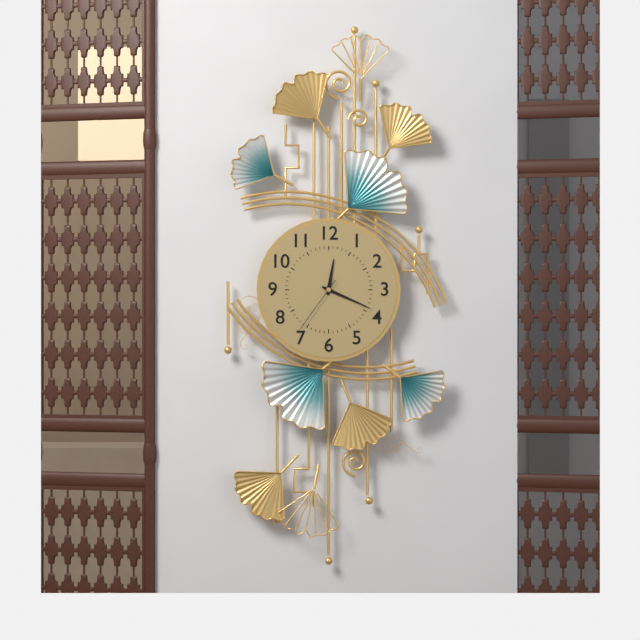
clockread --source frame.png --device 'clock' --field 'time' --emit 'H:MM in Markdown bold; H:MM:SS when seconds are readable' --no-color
**12:19:36**
